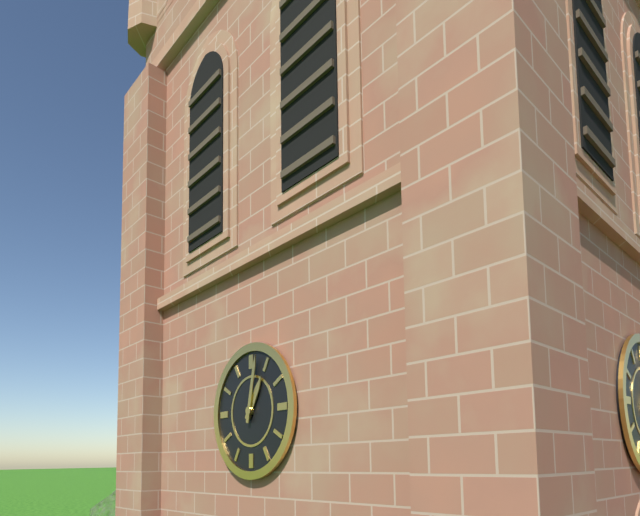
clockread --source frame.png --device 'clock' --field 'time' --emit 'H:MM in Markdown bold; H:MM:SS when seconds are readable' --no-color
**1:02**
